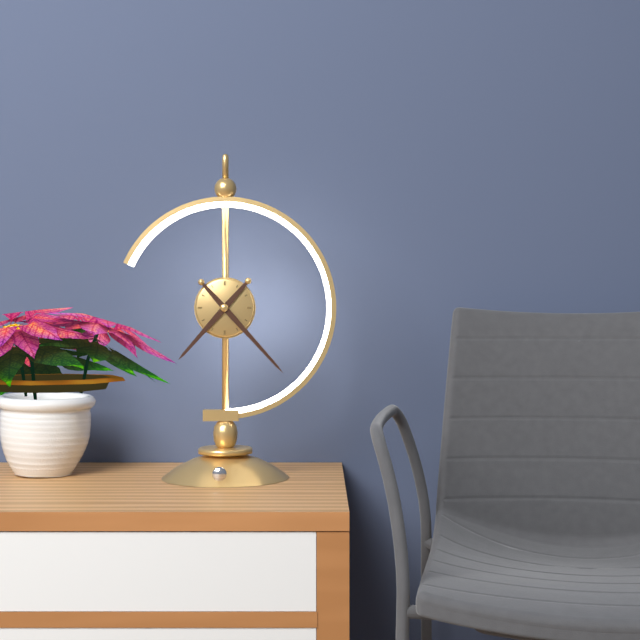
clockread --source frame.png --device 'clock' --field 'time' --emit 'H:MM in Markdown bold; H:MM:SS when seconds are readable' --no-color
**7:23**
